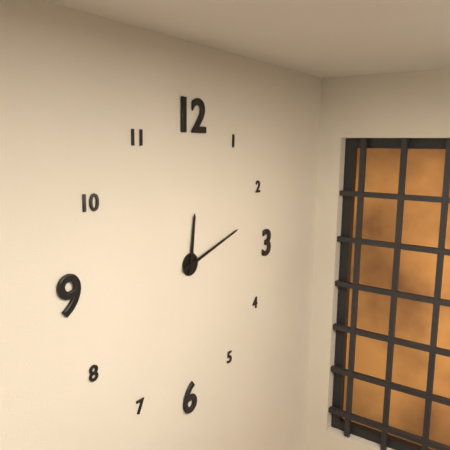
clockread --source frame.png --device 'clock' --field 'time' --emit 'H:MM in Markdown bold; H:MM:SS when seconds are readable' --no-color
**12:12**
